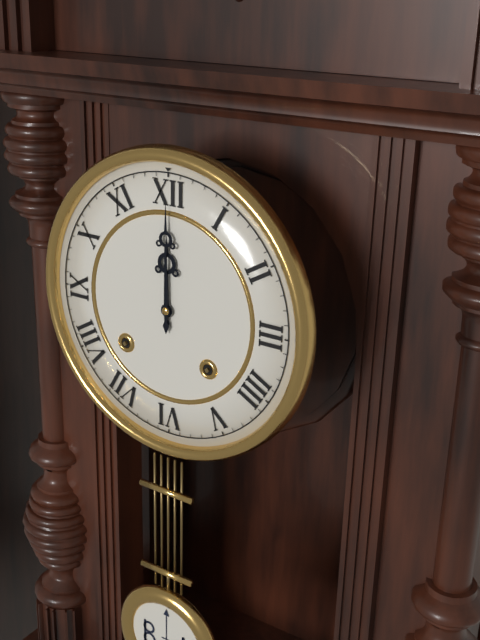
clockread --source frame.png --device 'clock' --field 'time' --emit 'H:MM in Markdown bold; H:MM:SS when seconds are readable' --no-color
**12:00**
